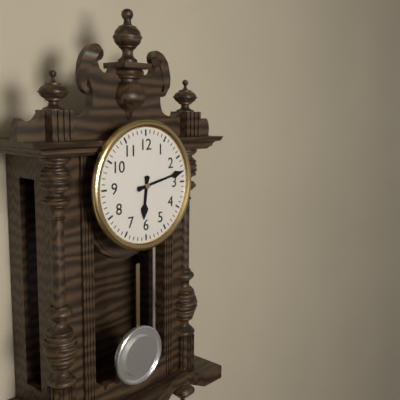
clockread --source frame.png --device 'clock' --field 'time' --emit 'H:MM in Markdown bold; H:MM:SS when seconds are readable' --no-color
**6:13**
